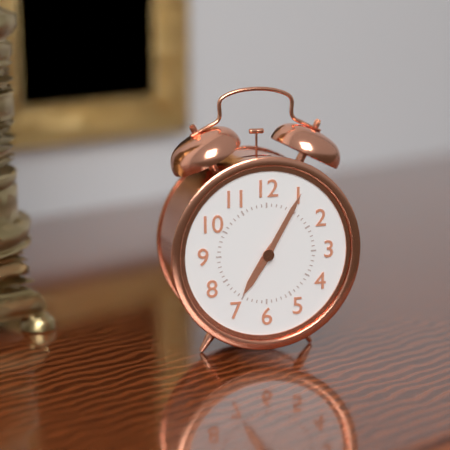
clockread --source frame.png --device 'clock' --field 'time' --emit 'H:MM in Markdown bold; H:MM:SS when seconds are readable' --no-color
**7:05**
